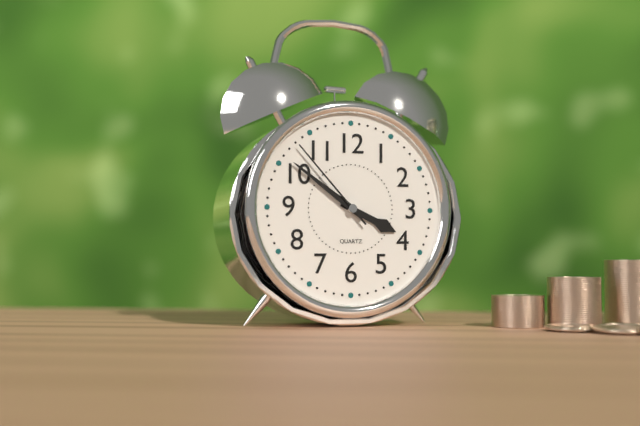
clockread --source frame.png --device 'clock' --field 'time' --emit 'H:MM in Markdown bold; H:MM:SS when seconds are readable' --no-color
**3:51:53**
